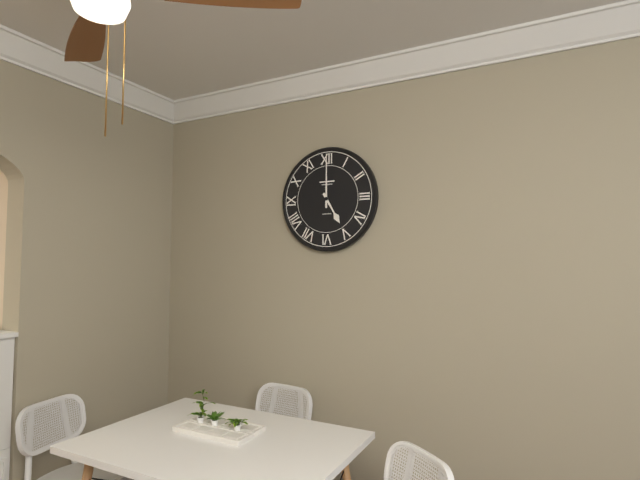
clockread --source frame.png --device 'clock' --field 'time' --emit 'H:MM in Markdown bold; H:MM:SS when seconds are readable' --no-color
**5:00**
